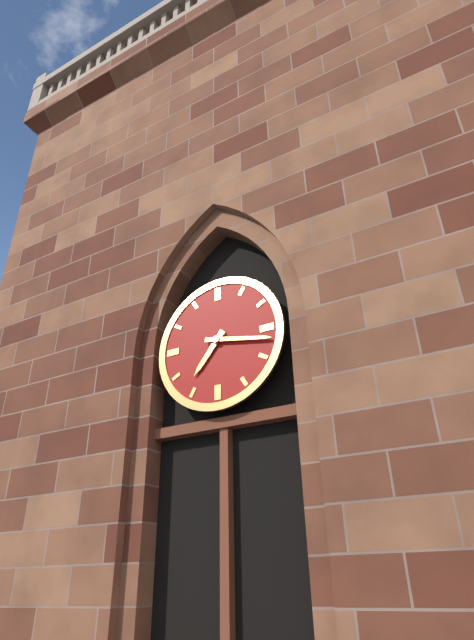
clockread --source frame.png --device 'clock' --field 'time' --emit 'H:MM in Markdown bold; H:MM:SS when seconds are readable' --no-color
**7:17**
